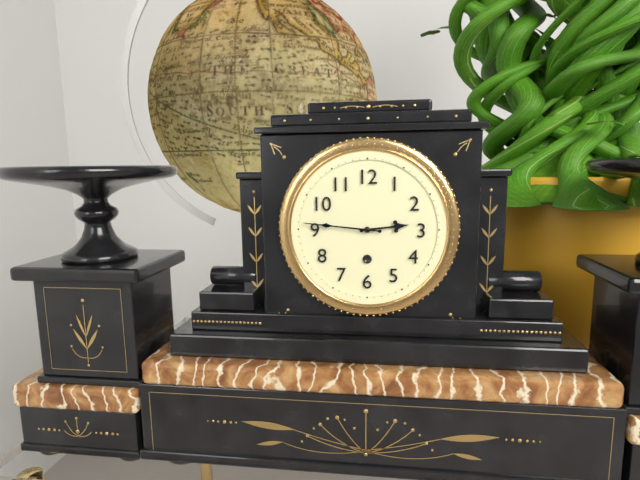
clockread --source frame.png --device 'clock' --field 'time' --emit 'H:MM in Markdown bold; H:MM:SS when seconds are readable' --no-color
**2:46**
